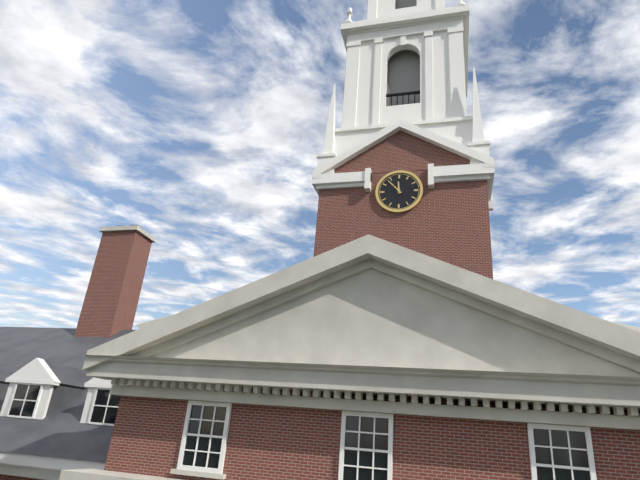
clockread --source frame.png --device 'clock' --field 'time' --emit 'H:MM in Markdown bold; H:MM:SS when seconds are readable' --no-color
**11:53**
